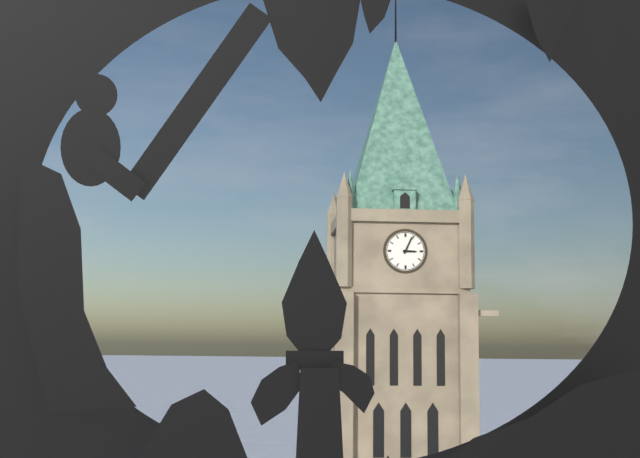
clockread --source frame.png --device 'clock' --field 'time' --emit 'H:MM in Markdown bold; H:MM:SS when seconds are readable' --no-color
**3:04**
